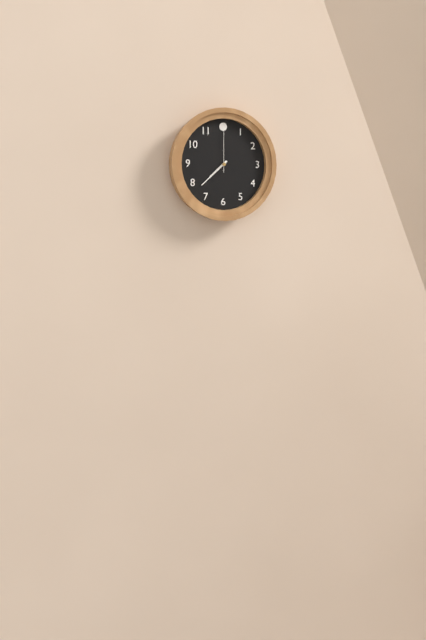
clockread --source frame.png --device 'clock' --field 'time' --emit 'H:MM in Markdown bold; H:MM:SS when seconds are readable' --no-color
**7:38**
